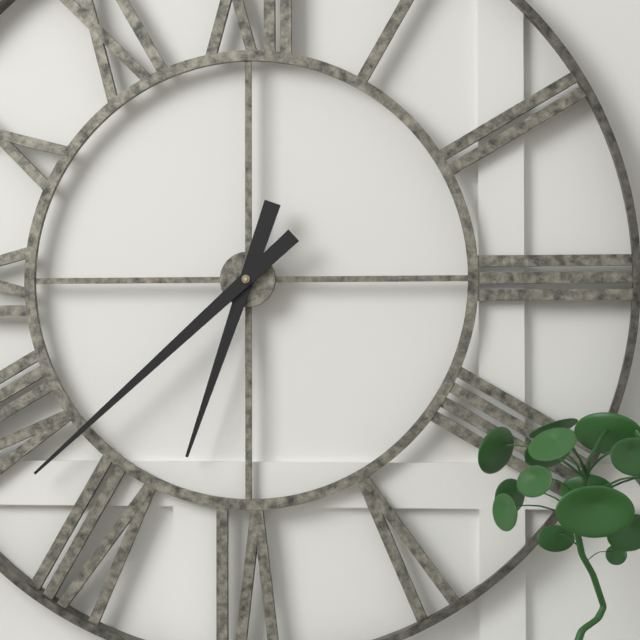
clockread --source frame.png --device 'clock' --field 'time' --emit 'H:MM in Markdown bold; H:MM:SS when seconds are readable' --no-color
**6:38**
